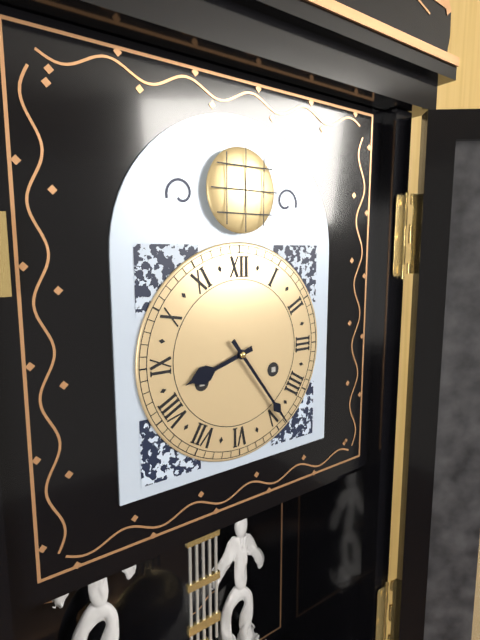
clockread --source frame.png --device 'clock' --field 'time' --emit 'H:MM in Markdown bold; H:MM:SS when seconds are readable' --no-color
**8:24**
